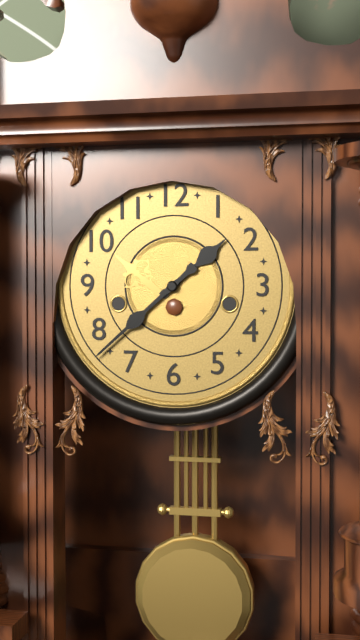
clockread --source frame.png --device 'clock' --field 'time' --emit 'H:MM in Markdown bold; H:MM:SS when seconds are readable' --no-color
**1:38**
